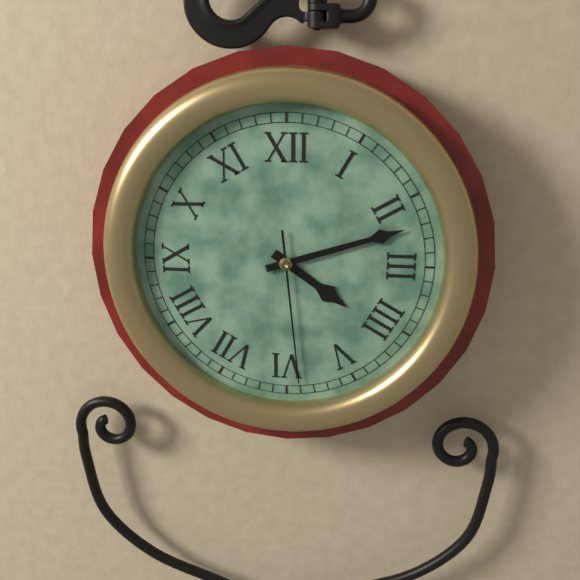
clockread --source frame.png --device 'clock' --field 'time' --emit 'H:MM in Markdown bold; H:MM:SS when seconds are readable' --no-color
**4:12:29**
